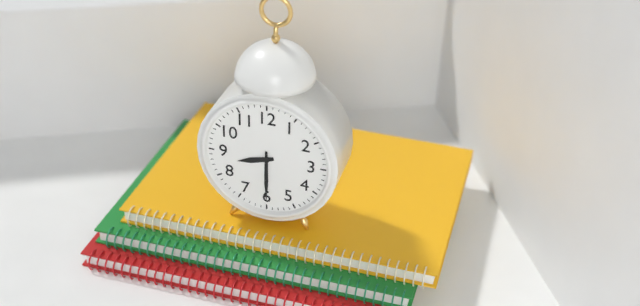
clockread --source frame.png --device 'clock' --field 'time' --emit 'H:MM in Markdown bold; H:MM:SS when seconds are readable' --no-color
**8:30**
